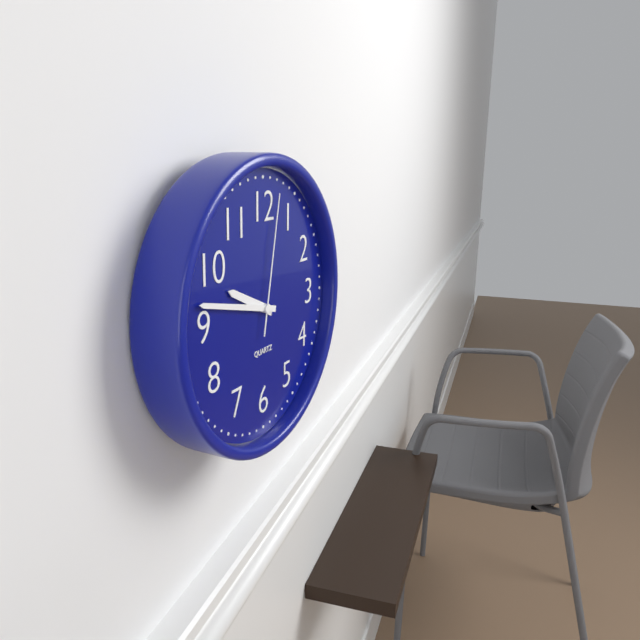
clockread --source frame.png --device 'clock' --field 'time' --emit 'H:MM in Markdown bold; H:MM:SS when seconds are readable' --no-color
**9:47:02**
